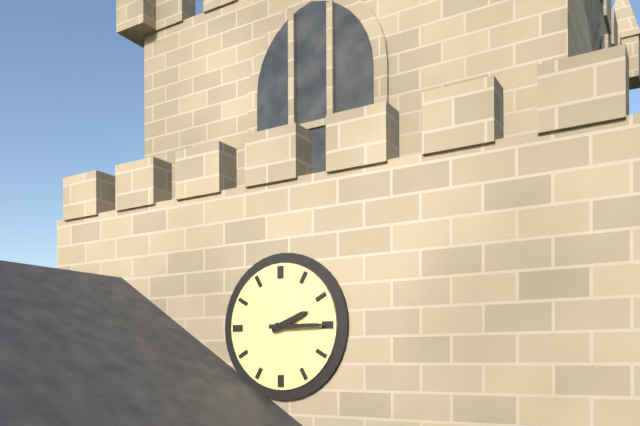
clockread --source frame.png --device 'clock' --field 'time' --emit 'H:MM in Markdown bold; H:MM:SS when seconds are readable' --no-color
**2:15**
